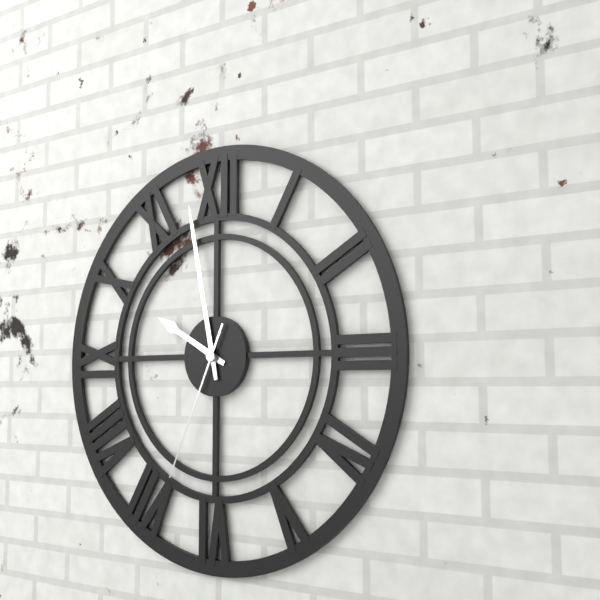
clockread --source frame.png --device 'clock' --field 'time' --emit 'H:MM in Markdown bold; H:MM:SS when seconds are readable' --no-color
**9:58:34**
